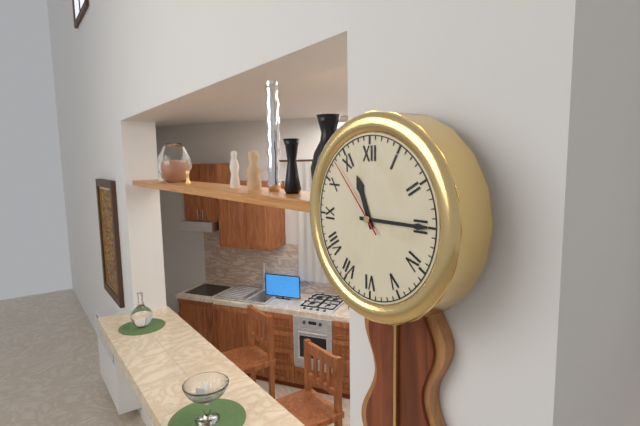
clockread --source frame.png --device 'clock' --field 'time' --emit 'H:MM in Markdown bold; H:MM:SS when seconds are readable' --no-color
**11:15:53**
